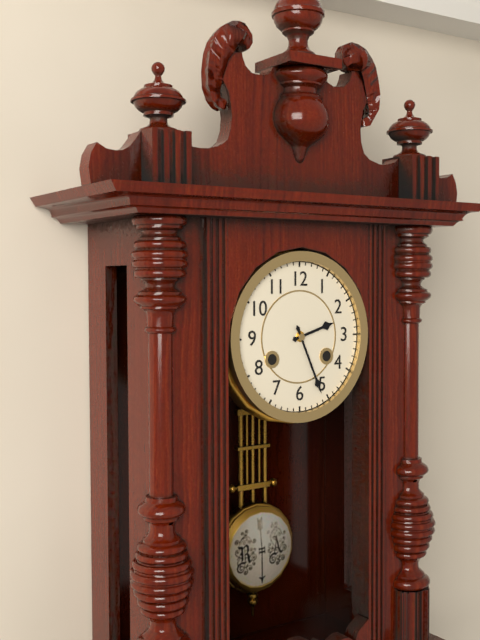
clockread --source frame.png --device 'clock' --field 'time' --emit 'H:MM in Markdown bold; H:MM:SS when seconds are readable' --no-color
**2:26**
